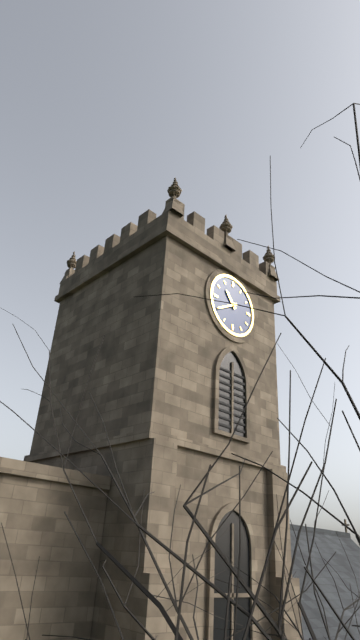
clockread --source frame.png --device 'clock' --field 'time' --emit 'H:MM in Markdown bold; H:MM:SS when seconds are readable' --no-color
**10:40**
